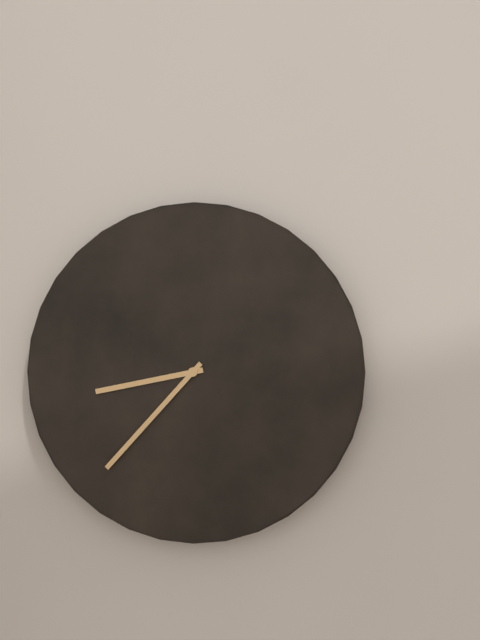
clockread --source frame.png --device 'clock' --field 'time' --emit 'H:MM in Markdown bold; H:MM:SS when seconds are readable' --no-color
**8:37**
